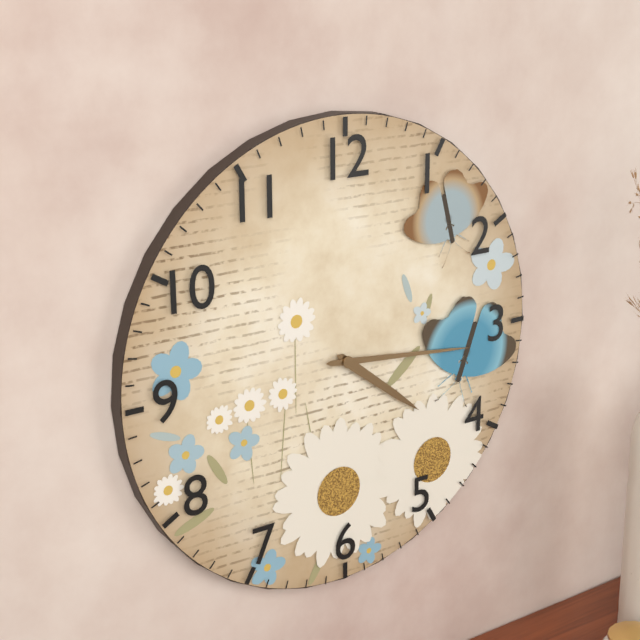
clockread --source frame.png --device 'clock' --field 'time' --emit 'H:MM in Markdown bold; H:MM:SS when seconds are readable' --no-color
**4:16**
